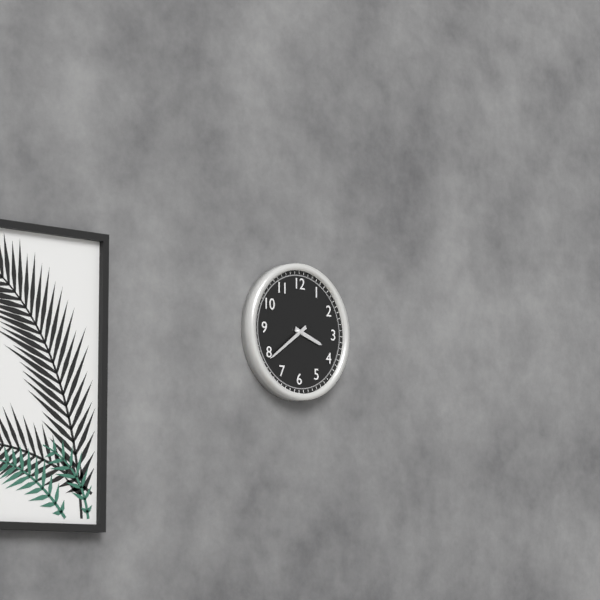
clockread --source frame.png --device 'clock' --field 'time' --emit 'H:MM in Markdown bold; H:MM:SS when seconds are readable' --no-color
**3:39**
